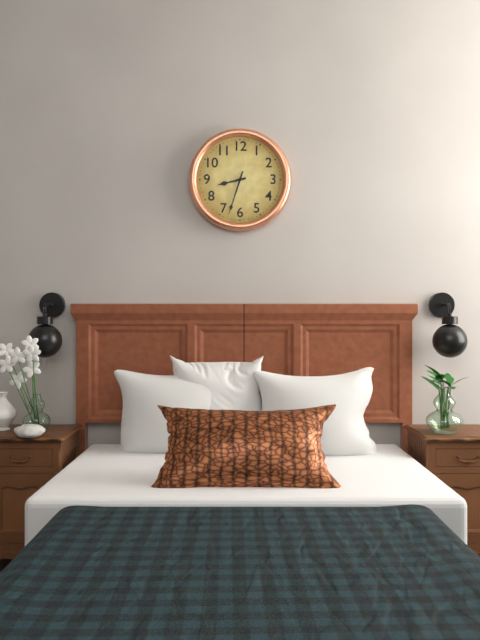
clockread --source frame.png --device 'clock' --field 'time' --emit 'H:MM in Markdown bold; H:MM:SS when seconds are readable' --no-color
**8:33**
